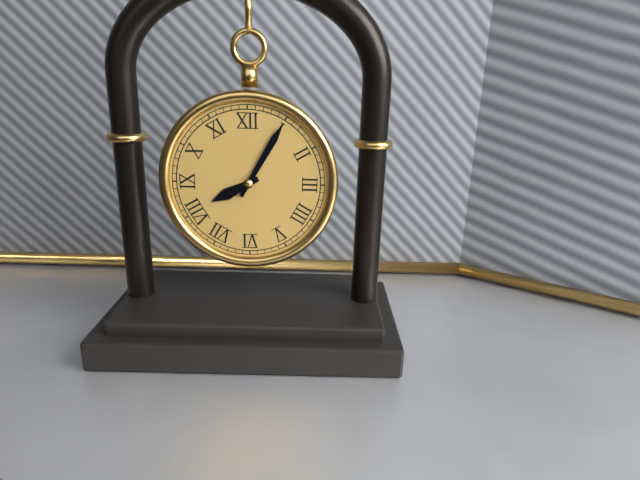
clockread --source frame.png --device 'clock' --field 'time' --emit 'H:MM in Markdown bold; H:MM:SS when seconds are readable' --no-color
**8:05**
